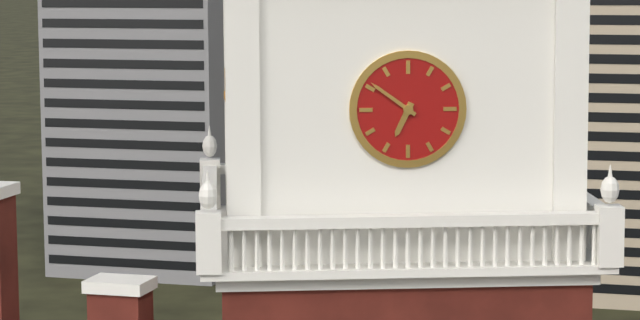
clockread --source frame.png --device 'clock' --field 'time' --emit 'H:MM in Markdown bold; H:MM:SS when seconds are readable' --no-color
**6:51**
